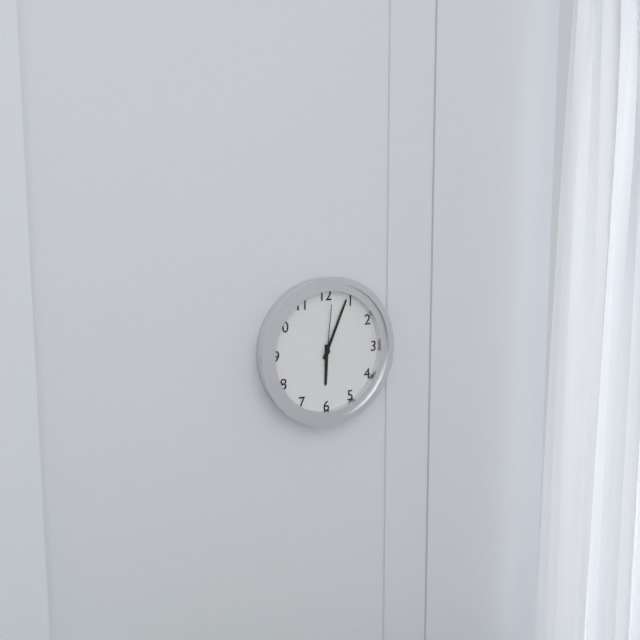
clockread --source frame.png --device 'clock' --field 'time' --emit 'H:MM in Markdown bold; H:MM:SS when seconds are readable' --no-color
**6:04:01**
